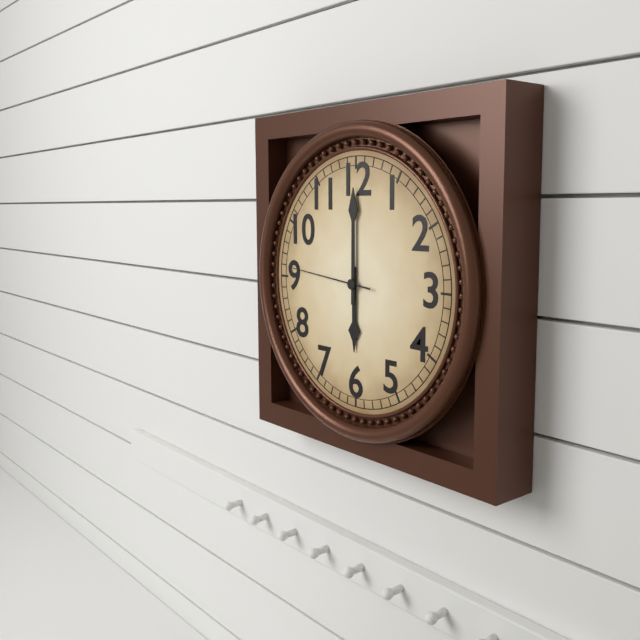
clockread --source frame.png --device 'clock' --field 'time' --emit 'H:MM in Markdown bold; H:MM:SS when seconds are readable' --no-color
**6:00:46**
